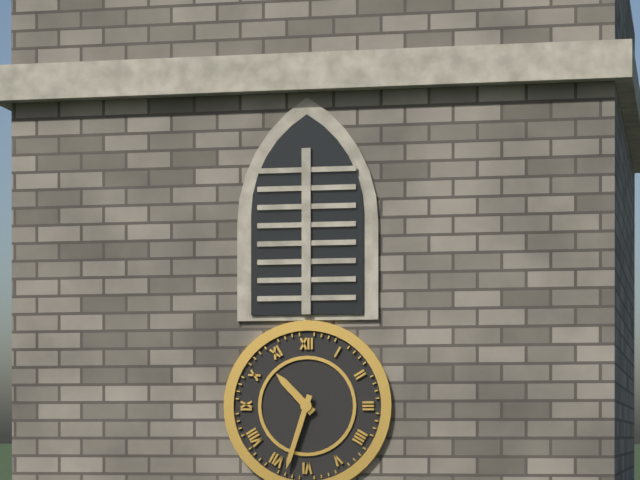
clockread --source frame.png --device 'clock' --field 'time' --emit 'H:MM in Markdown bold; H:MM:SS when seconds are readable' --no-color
**10:33**
